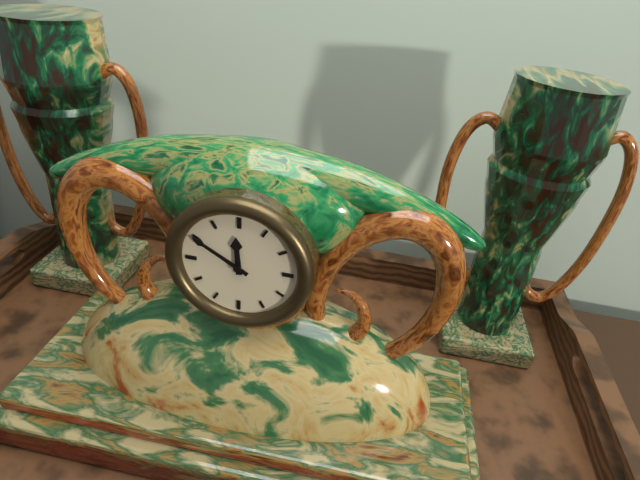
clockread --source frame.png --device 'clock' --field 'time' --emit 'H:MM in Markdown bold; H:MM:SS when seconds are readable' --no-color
**11:50**
